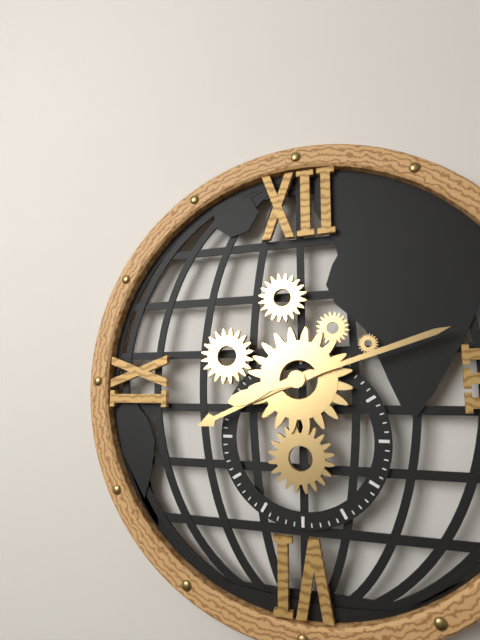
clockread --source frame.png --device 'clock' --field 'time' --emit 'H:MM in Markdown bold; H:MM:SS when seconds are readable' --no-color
**8:12**
